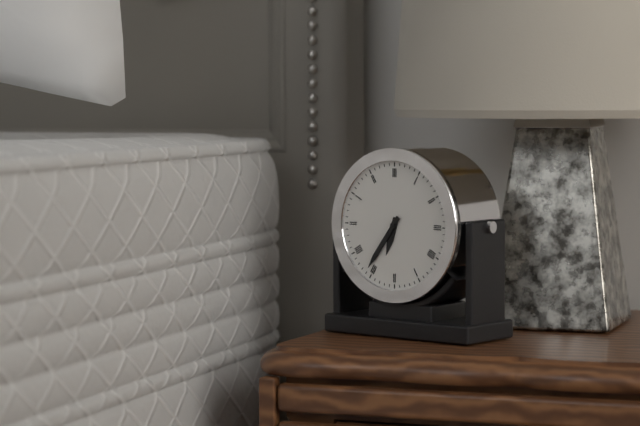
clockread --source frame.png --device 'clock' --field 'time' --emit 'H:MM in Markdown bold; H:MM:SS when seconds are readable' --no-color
**6:36**
